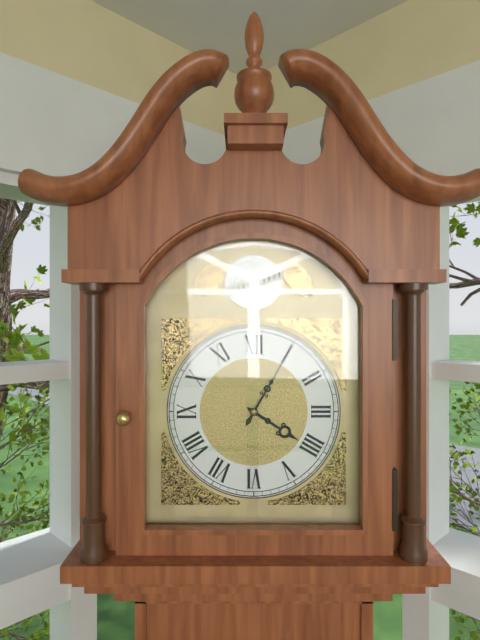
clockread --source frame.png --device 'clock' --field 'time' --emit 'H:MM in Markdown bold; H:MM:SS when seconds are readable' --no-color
**4:05**
